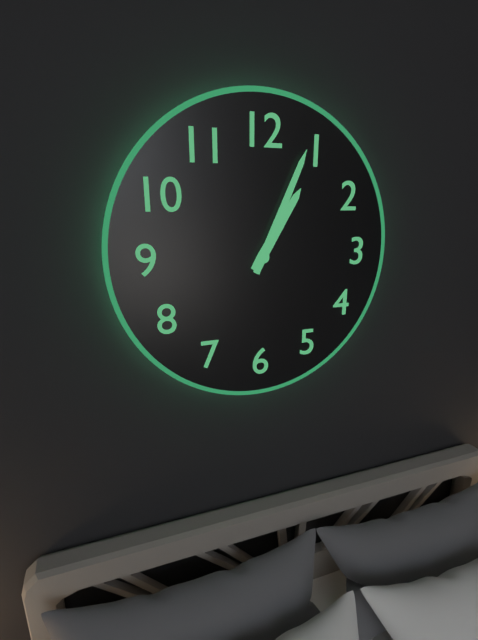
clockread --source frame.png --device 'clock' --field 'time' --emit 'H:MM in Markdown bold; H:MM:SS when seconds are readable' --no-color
**1:04**
